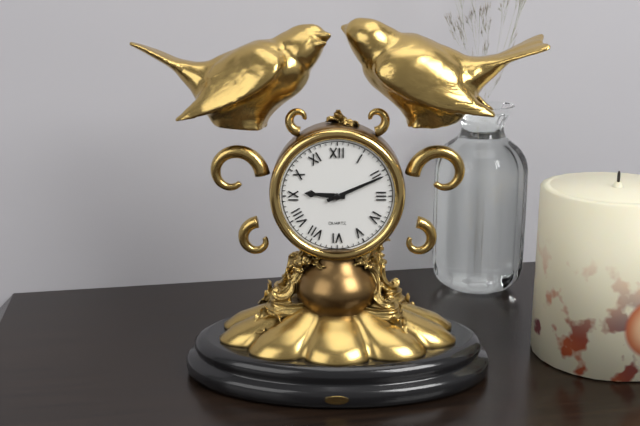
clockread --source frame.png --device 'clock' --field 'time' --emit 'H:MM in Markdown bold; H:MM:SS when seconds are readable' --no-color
**9:11**
